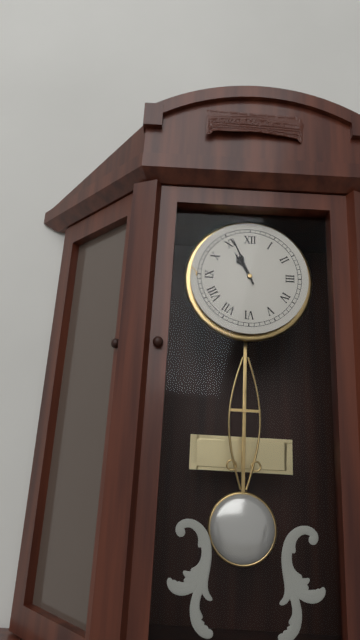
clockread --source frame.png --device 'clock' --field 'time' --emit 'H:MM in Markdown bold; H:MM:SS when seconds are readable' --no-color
**10:56**
